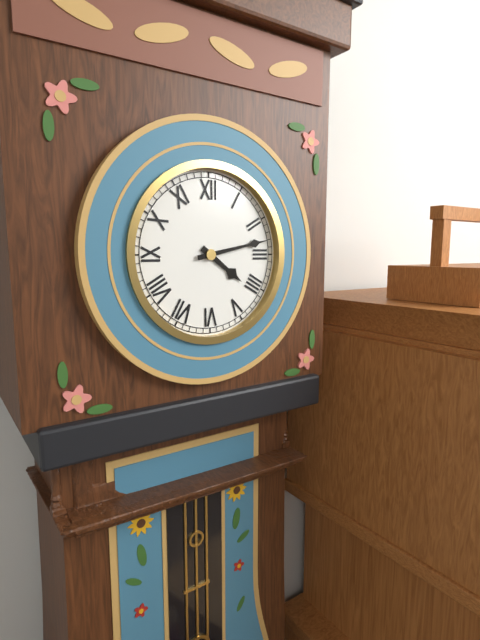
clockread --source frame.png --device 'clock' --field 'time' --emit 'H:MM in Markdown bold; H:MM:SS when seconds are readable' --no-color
**4:13**
